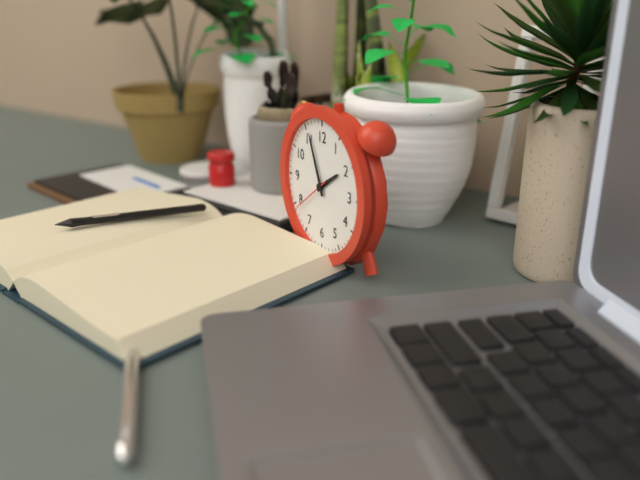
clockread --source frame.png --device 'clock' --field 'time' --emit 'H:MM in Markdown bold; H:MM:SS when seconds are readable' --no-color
**1:56**
